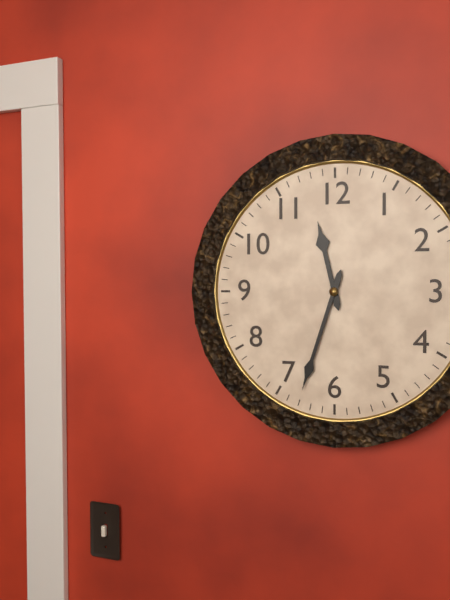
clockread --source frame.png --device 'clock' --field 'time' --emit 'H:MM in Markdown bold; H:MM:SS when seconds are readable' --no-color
**11:33**
